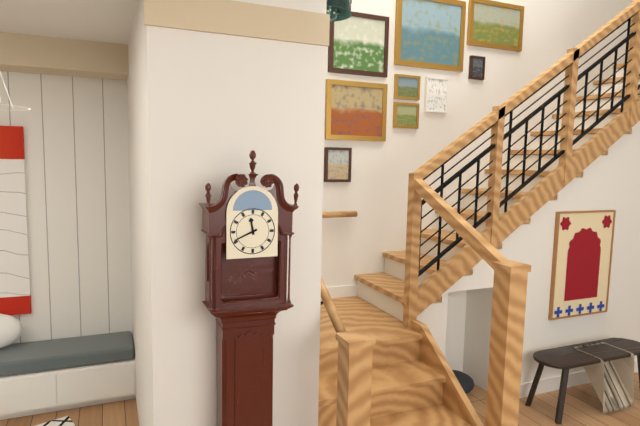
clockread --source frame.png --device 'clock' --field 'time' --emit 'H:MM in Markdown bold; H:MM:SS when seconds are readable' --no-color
**11:41**
